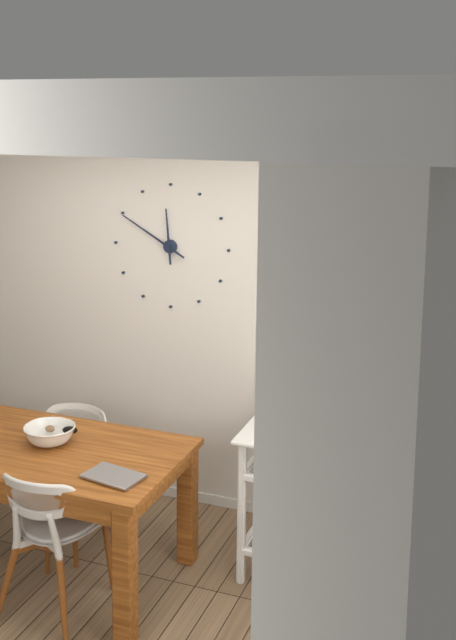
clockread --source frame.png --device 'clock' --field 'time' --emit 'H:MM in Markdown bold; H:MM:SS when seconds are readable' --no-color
**11:50**
